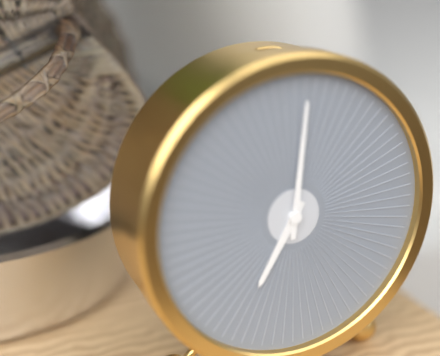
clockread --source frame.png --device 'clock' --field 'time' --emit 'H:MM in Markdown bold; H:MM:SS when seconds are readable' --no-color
**7:01**
